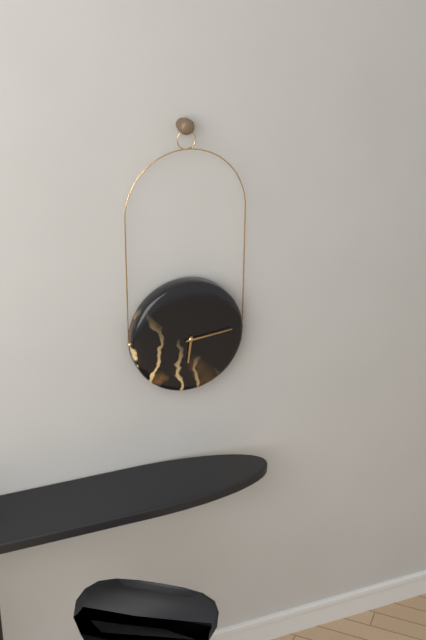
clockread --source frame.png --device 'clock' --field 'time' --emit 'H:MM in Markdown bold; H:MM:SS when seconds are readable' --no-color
**6:14**
